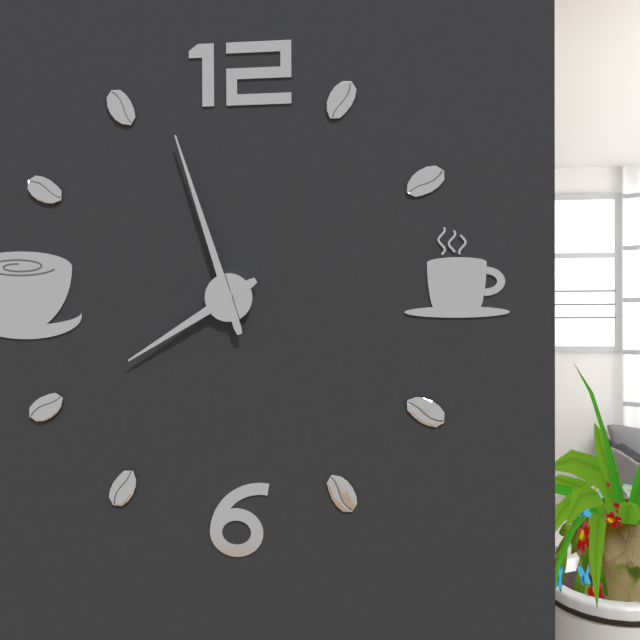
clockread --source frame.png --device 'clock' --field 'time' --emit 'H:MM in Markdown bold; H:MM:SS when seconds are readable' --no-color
**7:57**
